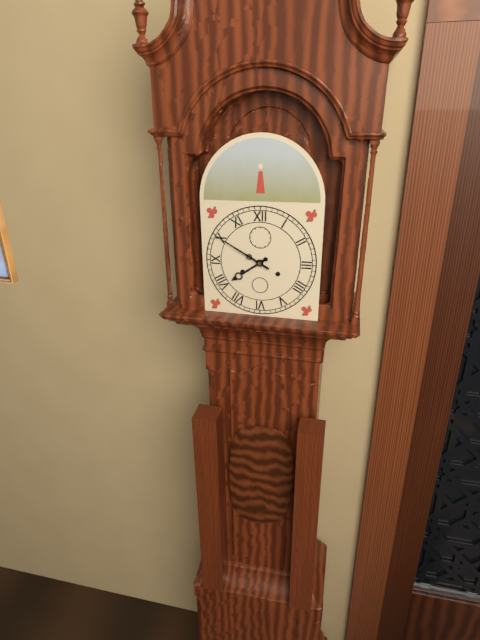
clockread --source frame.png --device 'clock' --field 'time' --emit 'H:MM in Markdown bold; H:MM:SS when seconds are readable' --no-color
**7:50**
